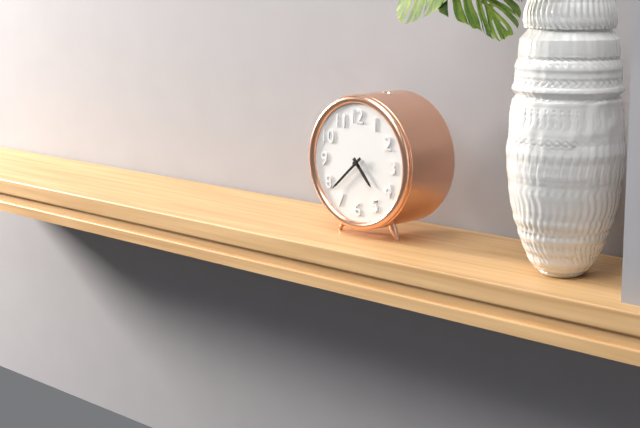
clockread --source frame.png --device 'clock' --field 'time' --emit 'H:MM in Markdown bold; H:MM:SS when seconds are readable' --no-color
**4:38**
